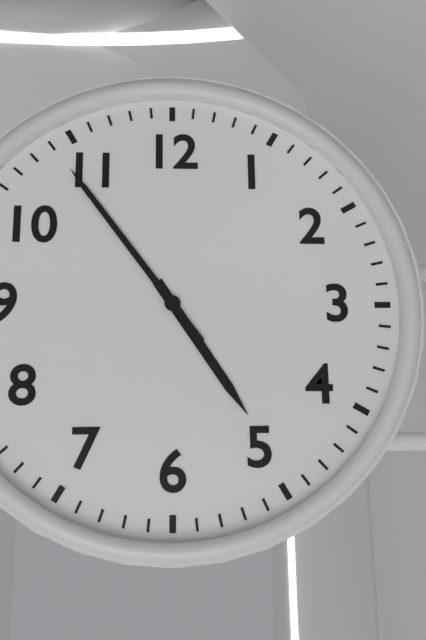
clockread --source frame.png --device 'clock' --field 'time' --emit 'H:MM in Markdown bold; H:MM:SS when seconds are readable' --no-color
**4:54**
